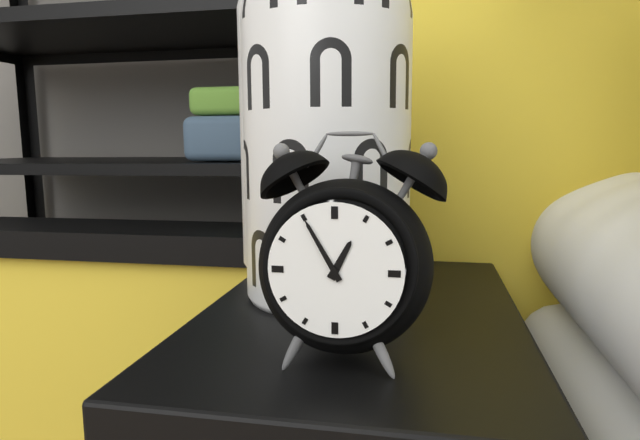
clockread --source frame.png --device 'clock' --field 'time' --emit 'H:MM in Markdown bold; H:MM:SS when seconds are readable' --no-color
**12:55**
